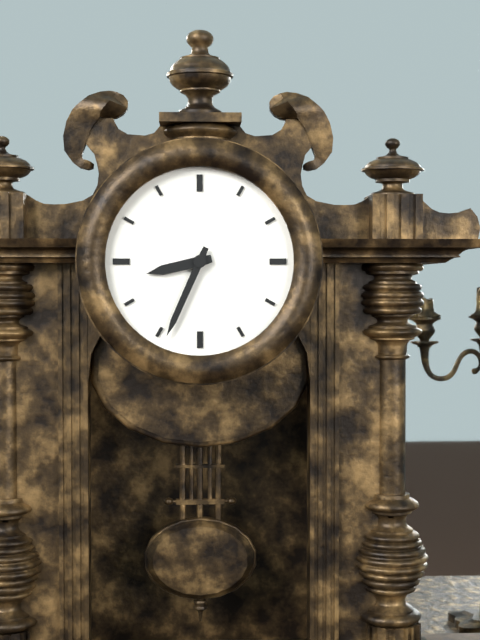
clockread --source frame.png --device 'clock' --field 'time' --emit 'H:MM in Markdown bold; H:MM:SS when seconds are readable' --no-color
**8:34**
